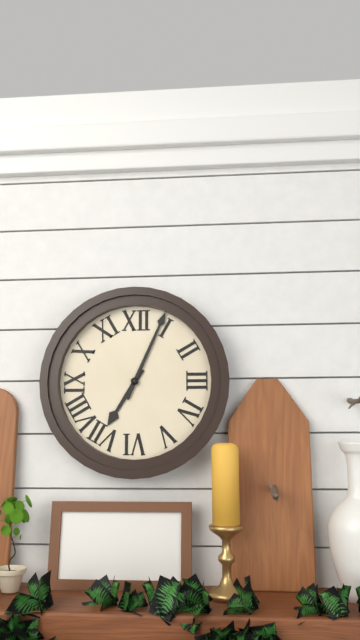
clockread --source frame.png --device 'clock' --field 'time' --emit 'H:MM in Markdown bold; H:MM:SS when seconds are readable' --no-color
**7:04**
